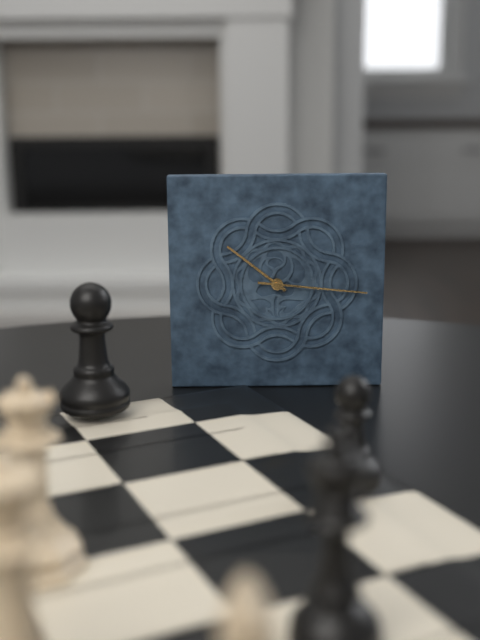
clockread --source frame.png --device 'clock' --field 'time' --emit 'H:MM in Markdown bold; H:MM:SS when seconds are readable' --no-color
**10:16**
